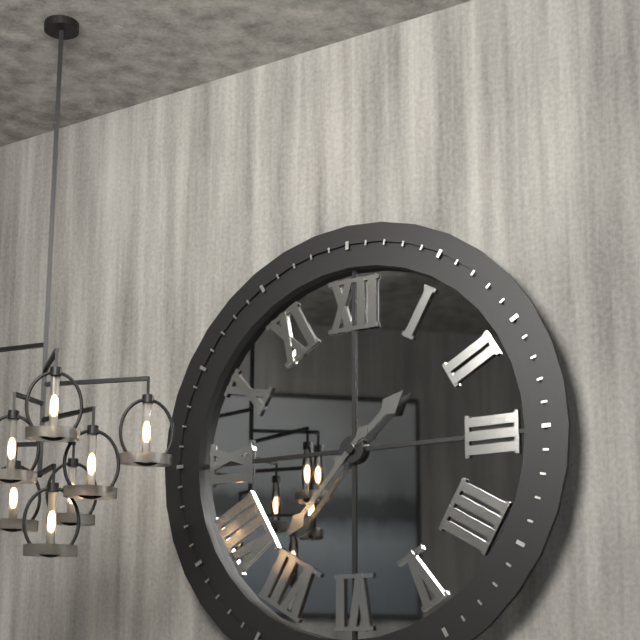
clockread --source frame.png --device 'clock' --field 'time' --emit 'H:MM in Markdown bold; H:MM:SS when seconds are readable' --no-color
**1:37**
